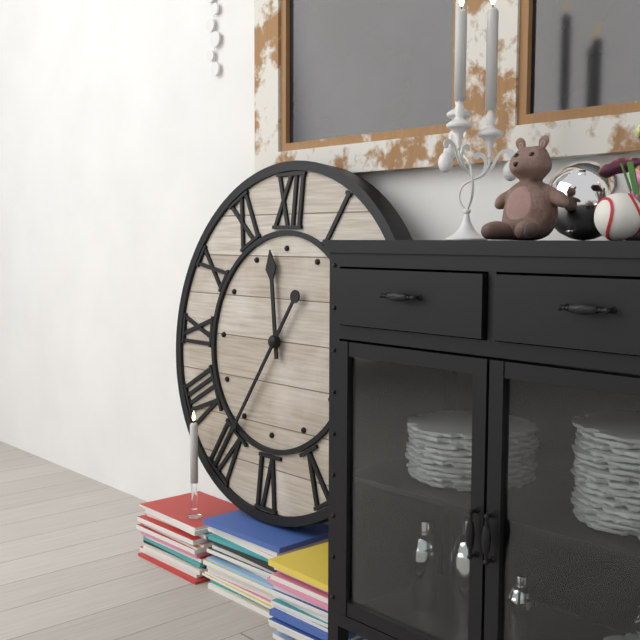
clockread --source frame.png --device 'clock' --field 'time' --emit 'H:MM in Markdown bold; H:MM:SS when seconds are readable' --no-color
**11:35**
